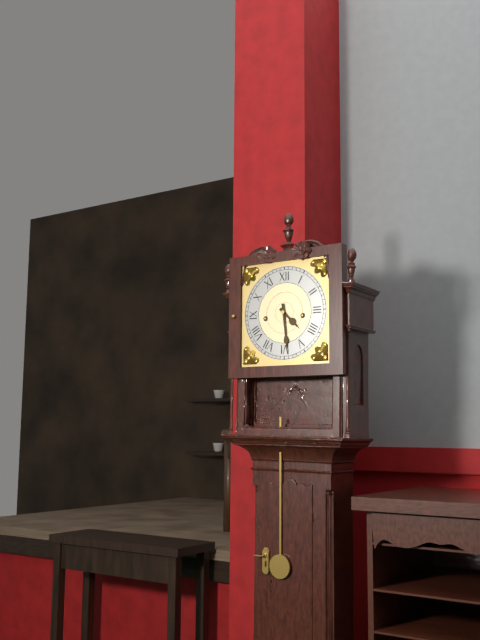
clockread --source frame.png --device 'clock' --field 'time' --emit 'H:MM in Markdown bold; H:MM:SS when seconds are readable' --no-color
**4:29**
